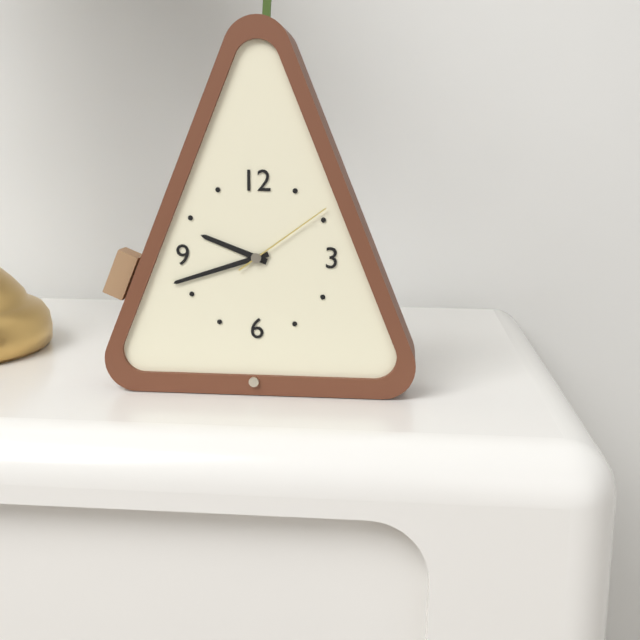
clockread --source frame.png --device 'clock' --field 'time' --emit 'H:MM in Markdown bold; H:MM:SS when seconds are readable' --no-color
**9:42:09**
